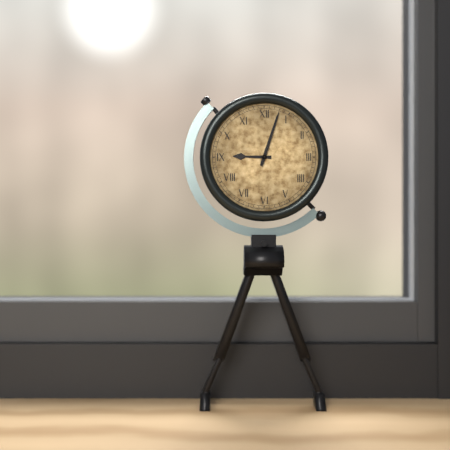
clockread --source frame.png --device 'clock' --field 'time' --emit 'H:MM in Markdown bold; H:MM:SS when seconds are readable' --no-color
**9:03**
